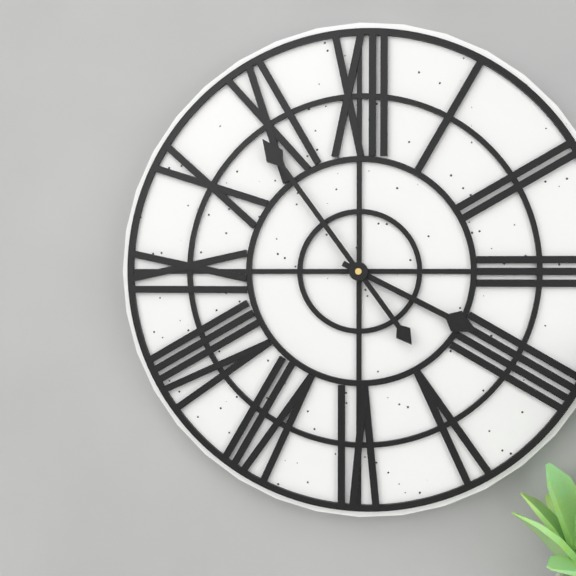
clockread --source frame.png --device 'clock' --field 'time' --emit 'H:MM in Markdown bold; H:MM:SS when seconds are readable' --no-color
**3:54**
